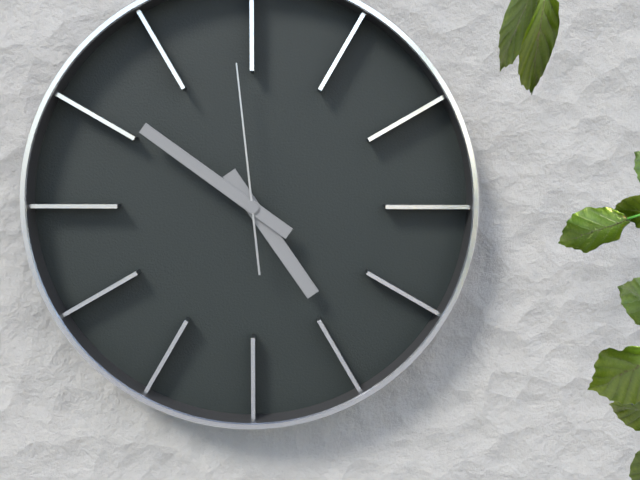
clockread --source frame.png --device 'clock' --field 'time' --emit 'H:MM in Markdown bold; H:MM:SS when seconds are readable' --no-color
**4:51:59**
